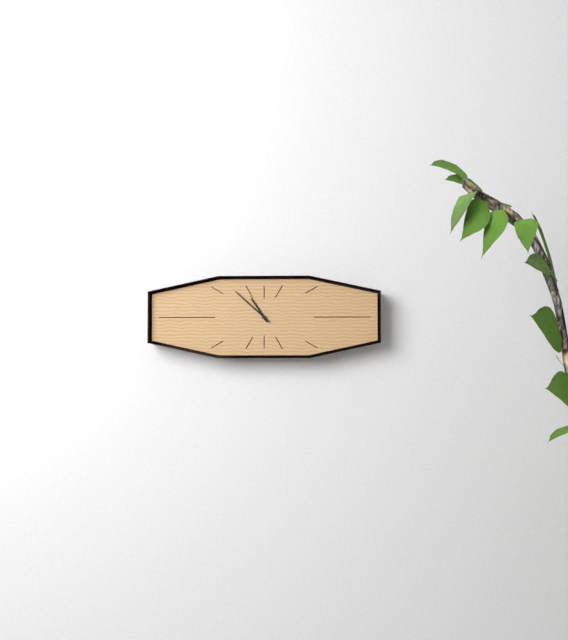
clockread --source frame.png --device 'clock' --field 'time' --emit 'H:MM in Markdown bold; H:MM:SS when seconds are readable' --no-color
**10:52**
